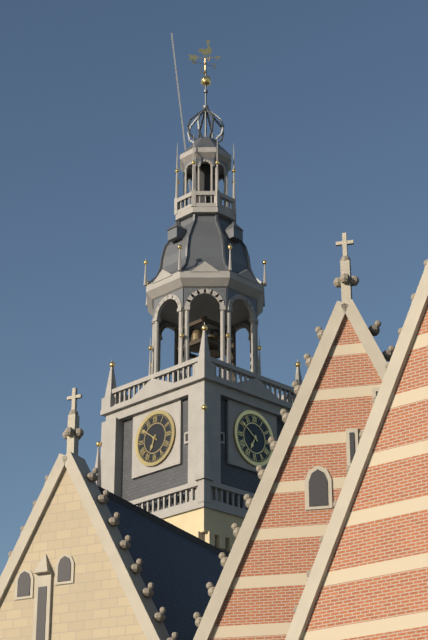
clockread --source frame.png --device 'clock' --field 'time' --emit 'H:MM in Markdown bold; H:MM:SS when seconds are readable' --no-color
**6:51**
